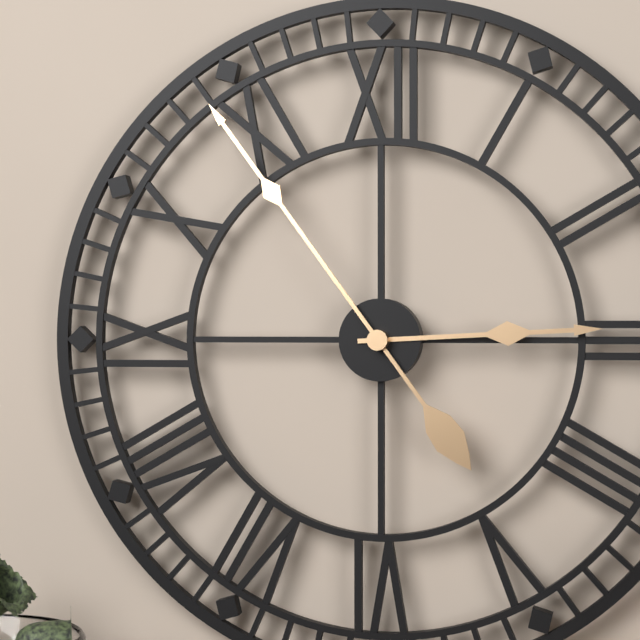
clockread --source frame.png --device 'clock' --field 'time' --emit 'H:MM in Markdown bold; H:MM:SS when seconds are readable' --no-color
**2:54**
